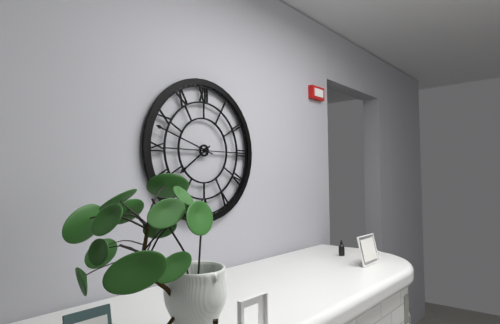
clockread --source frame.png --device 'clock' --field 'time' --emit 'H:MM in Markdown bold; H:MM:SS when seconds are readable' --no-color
**7:48**
